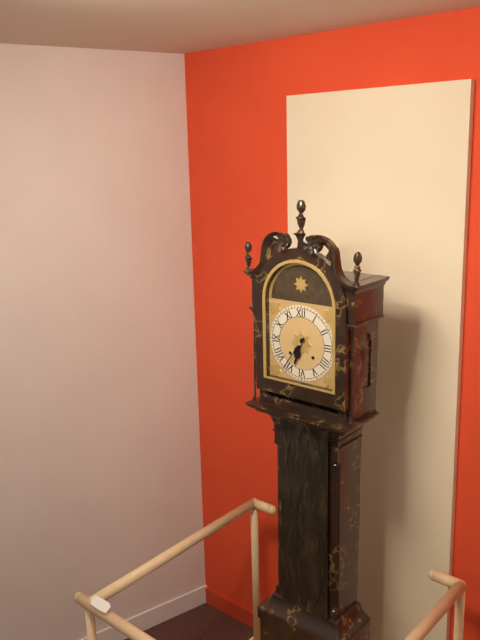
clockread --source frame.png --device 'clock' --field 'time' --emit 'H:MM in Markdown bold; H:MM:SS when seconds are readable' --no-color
**6:36**
